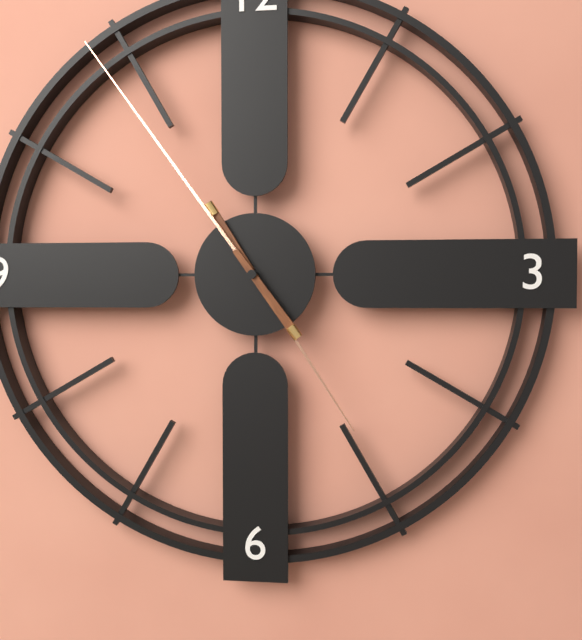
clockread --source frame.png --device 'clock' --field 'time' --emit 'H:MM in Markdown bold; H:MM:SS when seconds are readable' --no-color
**4:54**
